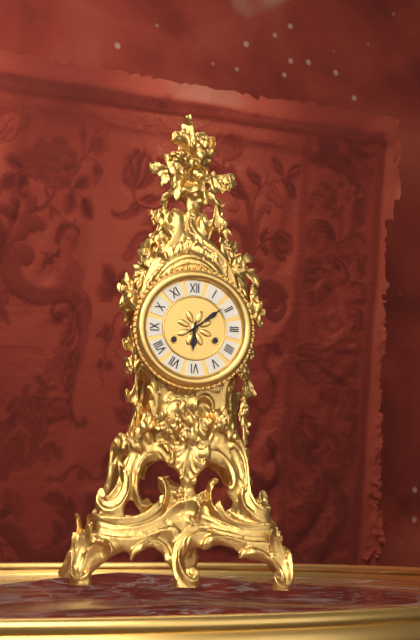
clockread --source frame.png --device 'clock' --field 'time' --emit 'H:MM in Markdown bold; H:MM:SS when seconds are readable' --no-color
**6:09**
